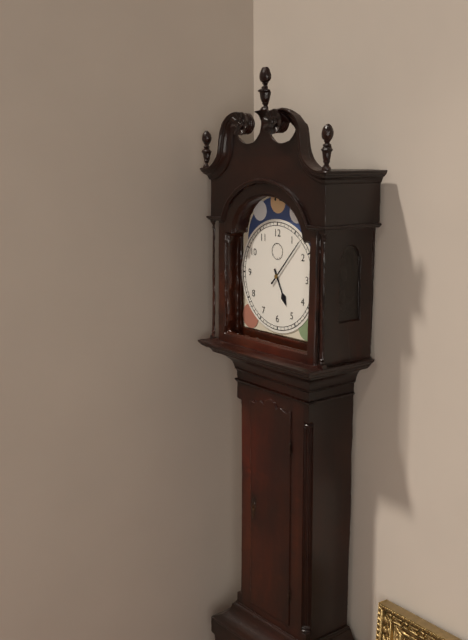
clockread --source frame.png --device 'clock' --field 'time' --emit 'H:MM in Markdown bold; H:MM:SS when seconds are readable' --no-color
**5:07**
